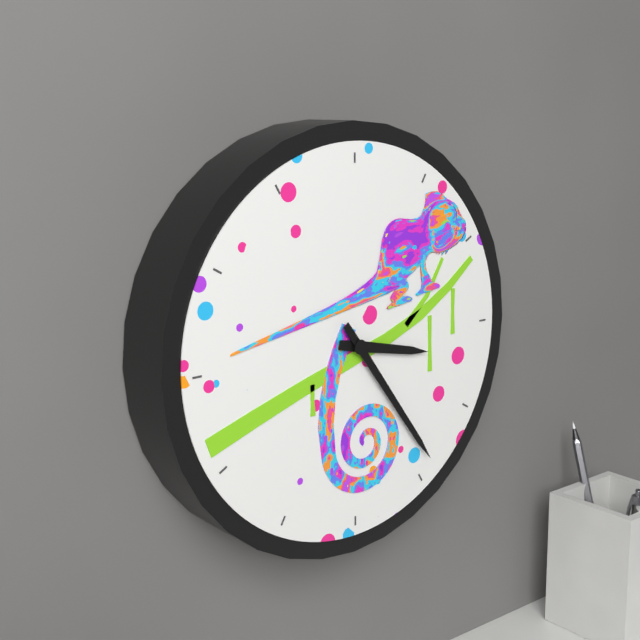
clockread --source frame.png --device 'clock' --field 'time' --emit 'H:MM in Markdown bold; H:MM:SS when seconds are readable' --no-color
**3:24**
